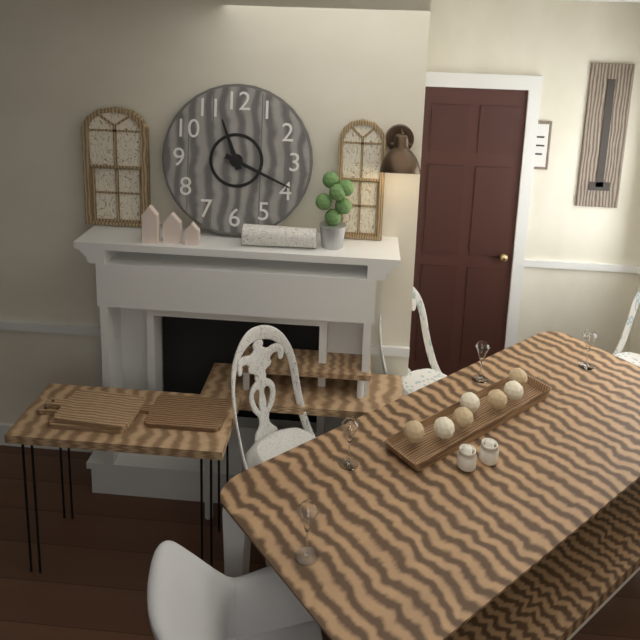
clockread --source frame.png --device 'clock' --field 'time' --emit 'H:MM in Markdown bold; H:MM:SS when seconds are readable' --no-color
**11:19**
